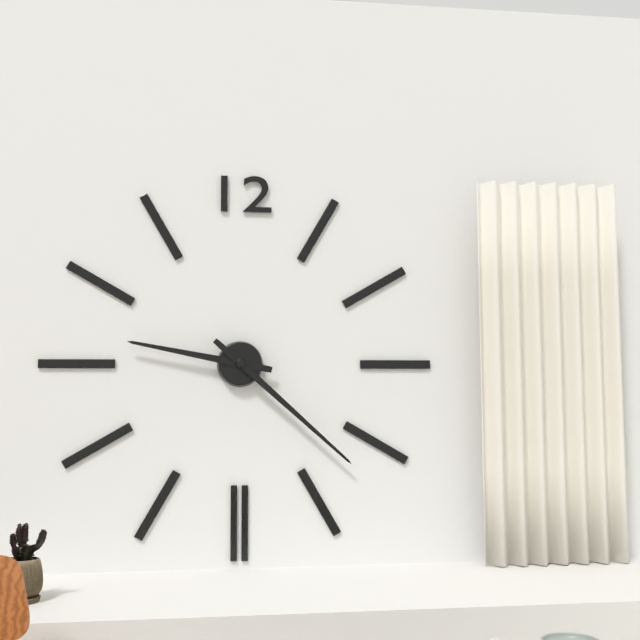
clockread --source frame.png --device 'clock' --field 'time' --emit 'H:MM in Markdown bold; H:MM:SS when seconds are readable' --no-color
**9:22**
